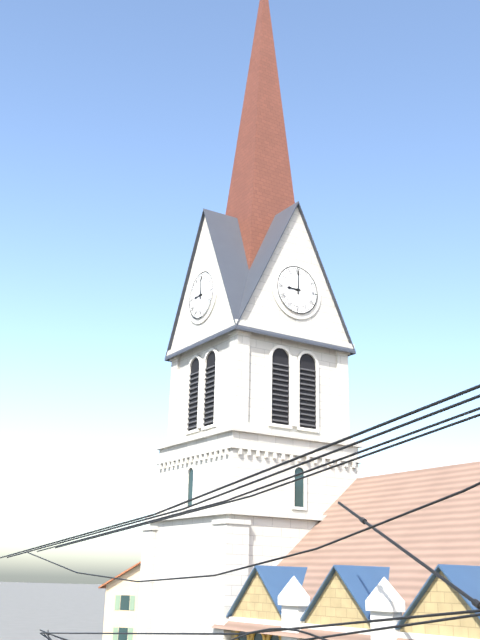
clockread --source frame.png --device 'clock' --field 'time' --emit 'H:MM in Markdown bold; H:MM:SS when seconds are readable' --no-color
**9:00**
